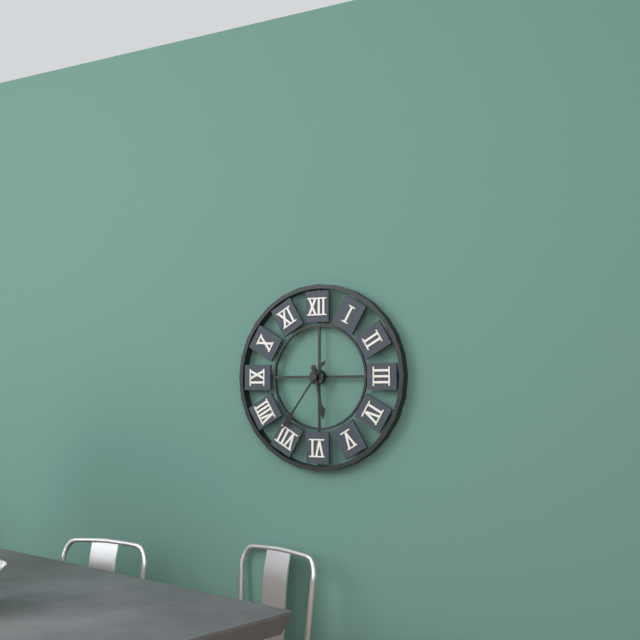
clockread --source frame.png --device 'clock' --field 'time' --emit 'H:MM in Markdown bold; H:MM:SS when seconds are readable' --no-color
**5:36**
